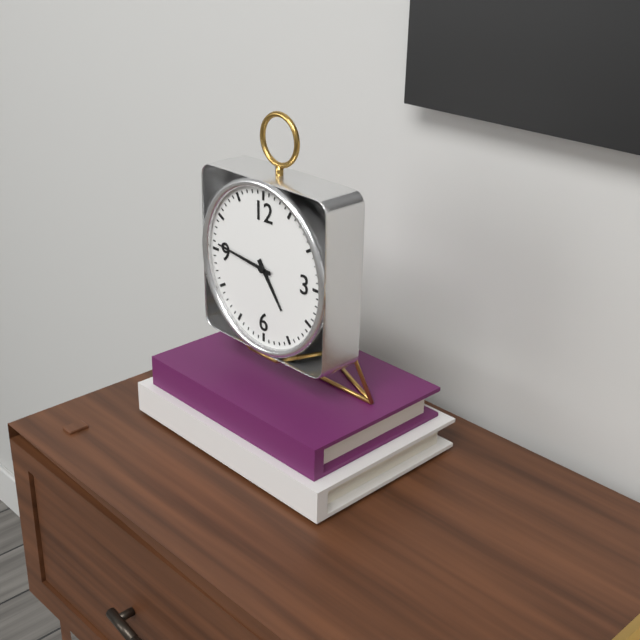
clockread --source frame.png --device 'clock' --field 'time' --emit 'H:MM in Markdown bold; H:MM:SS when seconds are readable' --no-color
**4:46**
